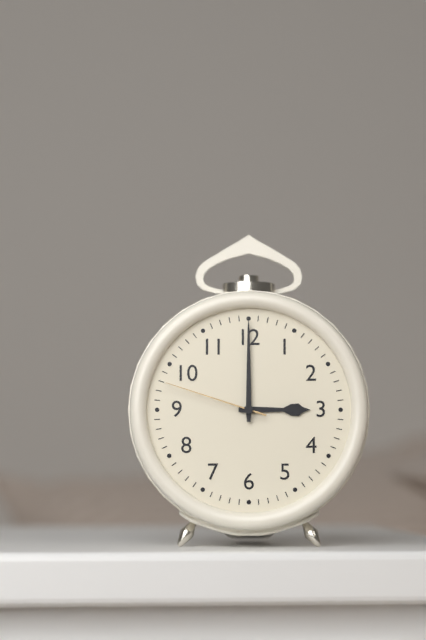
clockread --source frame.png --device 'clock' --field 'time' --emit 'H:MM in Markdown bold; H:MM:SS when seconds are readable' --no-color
**3:00:48**
